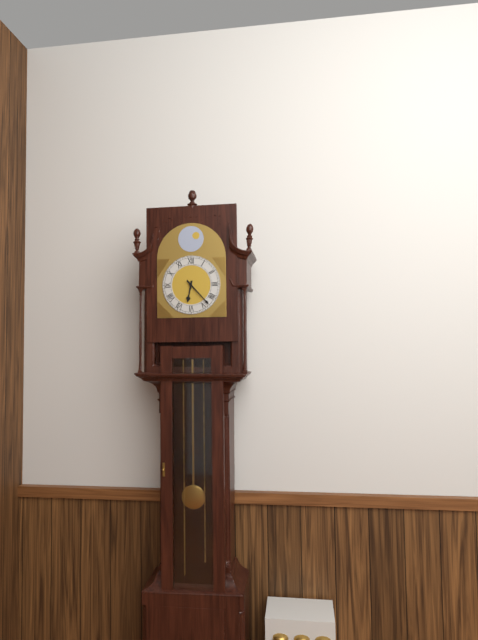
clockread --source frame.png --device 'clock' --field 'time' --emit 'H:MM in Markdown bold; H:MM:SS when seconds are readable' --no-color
**6:23**
